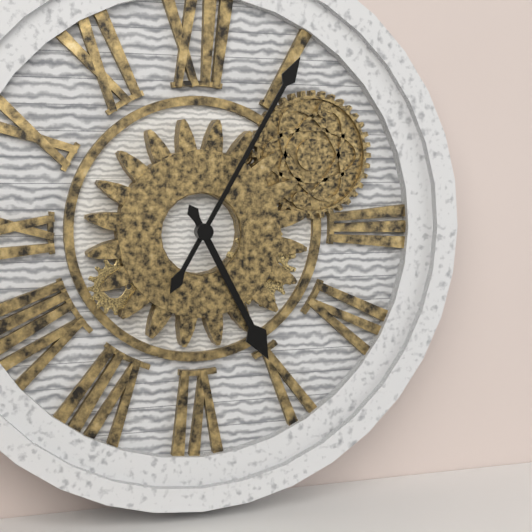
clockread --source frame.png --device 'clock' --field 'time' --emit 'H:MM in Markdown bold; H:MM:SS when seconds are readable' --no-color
**5:05**
